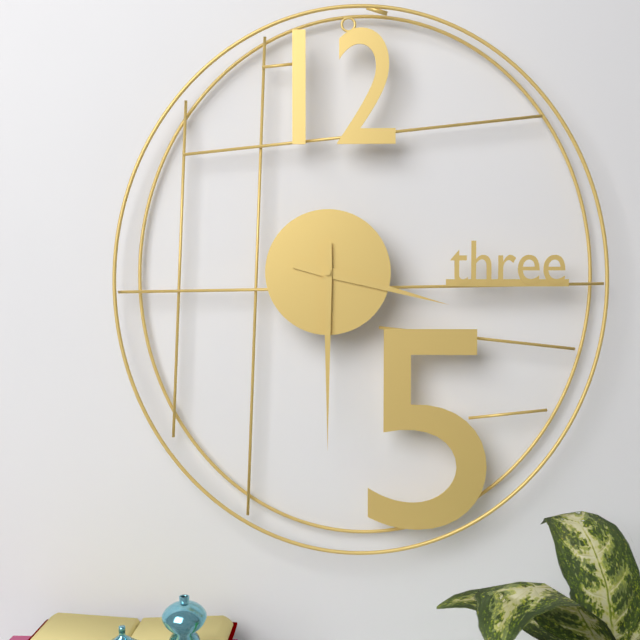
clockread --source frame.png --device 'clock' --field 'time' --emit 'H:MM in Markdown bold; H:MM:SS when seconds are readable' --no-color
**3:30**
